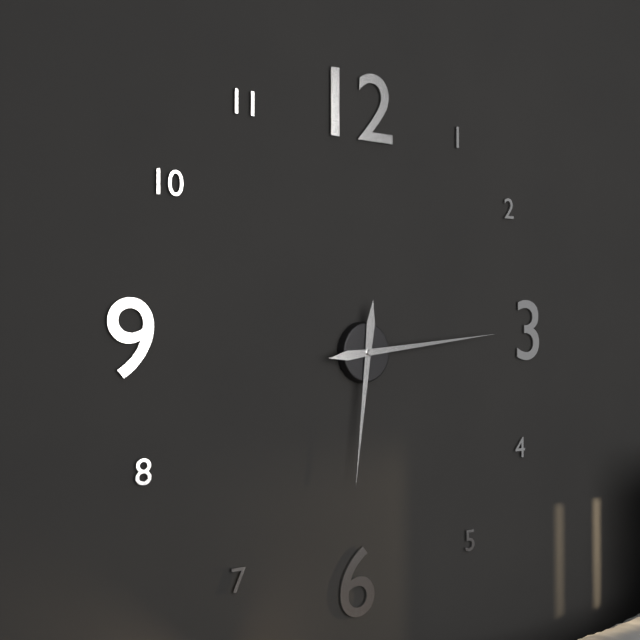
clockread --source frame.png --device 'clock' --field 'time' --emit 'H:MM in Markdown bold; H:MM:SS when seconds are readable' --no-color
**6:14**
